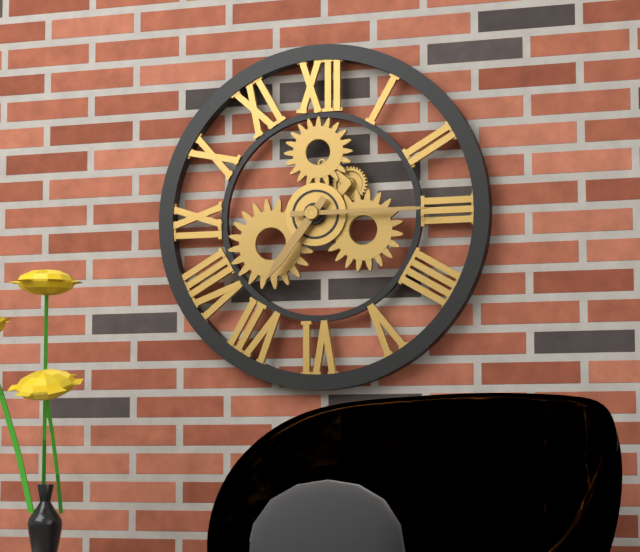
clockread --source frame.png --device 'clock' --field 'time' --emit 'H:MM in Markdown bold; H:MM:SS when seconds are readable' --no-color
**7:15**
